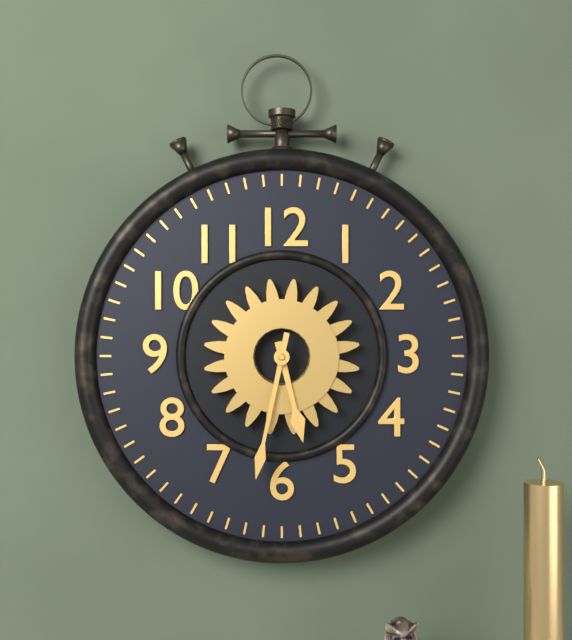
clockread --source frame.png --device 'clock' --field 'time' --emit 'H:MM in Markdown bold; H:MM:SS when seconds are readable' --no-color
**5:32**
